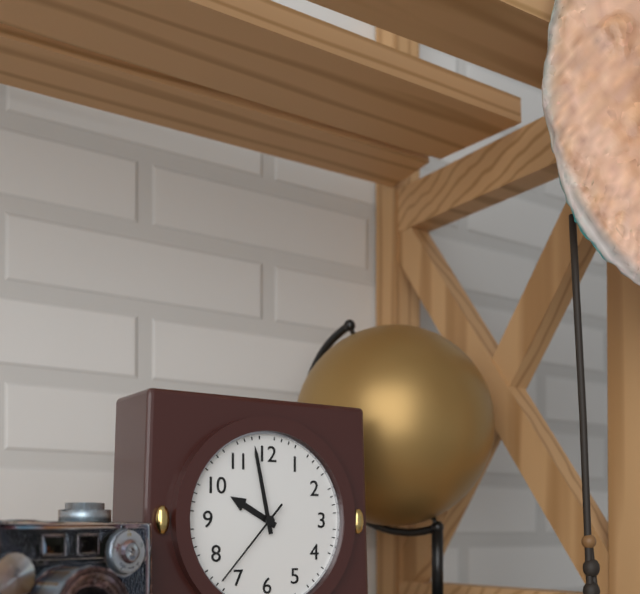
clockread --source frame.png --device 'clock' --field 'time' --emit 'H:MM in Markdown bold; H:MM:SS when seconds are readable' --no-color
**9:58:37**
